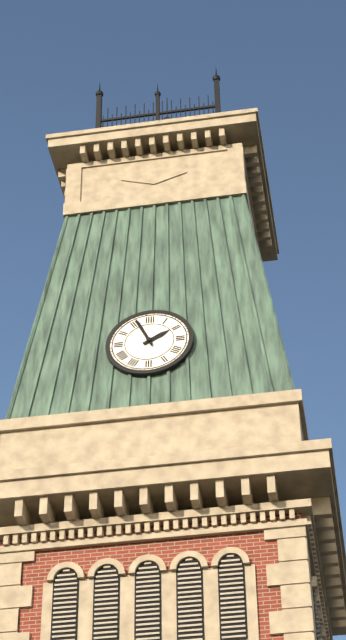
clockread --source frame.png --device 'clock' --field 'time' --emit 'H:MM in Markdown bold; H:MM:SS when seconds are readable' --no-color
**1:56**
